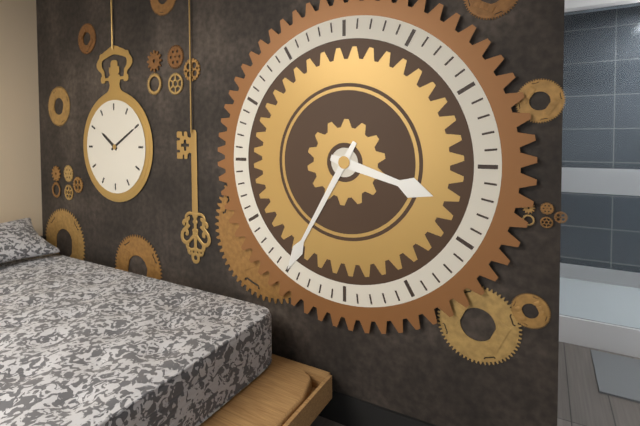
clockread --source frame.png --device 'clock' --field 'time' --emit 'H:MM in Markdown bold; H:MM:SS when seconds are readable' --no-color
**3:35**
